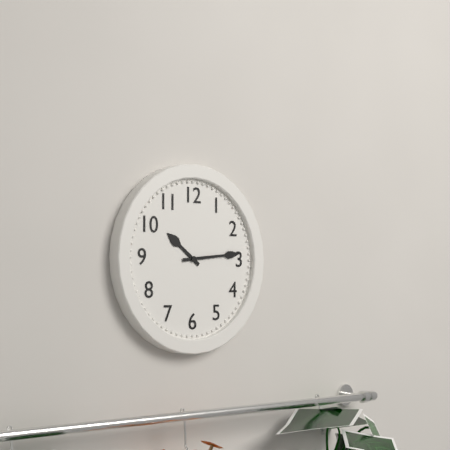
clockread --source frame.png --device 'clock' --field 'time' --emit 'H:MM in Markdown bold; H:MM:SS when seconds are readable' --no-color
**10:14**
